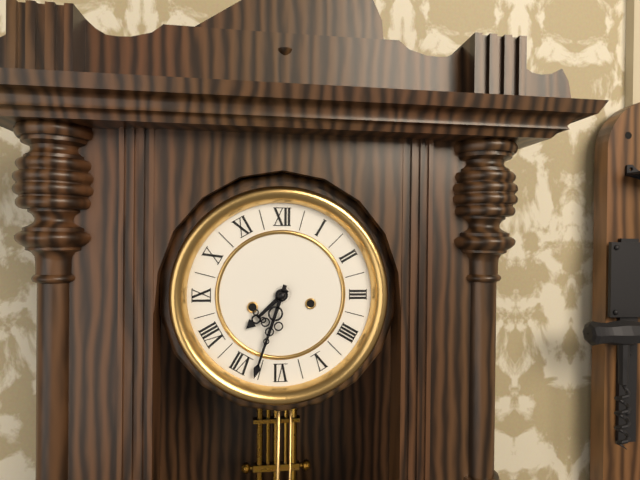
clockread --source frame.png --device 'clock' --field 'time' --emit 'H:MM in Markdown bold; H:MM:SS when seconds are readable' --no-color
**7:33**
